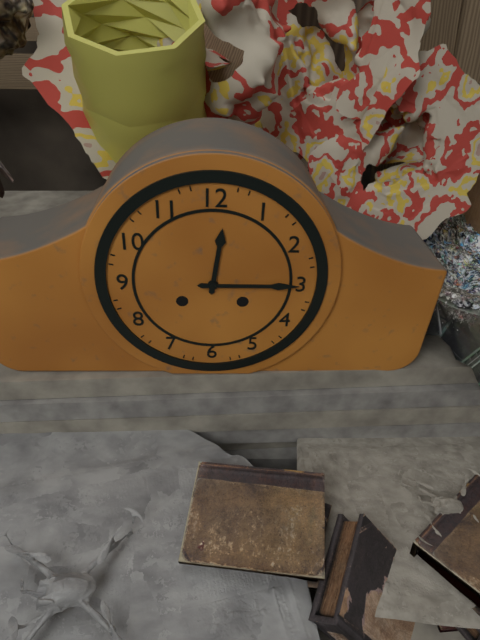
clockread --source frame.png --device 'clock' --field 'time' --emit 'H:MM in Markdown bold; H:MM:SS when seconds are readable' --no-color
**12:15**
